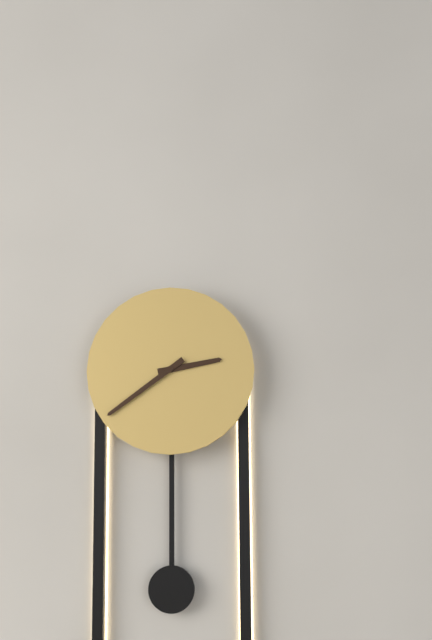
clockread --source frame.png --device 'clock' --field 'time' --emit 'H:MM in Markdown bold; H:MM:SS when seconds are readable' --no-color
**2:39**
